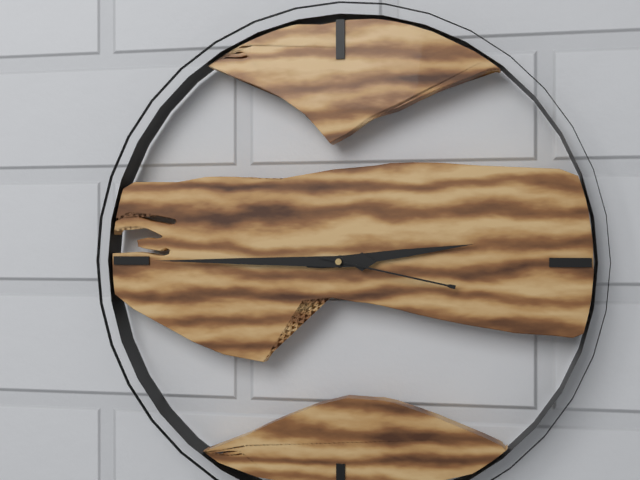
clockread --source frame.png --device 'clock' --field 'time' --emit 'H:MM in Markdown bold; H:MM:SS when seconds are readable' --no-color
**2:45:17**
